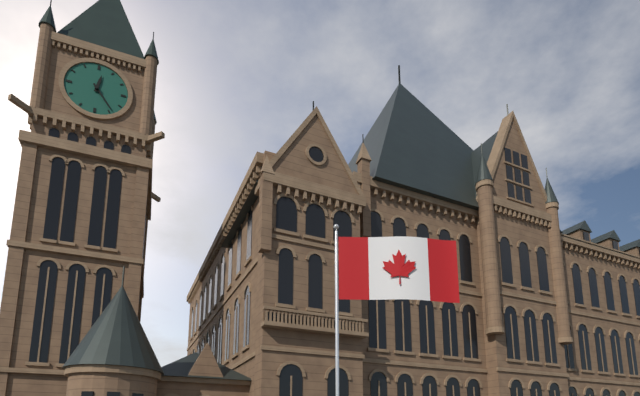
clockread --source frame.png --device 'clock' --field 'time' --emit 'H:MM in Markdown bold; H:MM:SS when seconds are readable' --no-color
**12:24**
